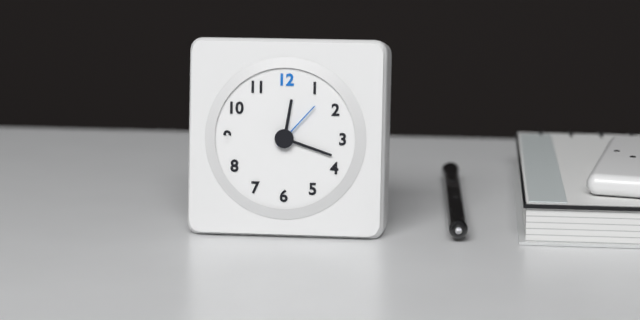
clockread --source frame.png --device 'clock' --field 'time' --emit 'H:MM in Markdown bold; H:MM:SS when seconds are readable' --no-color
**12:18:07**
